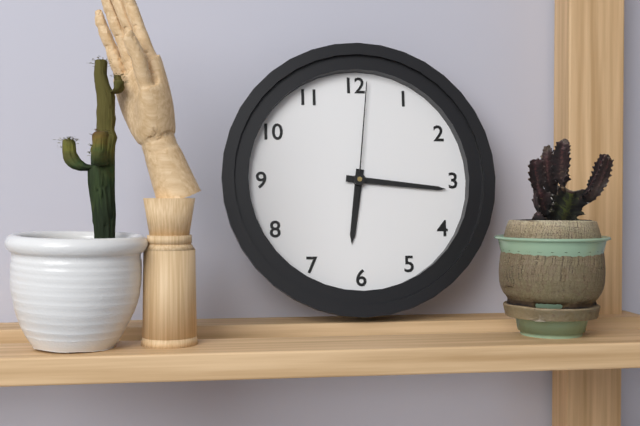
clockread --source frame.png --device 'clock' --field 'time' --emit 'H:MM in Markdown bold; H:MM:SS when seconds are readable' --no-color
**6:16:01**
